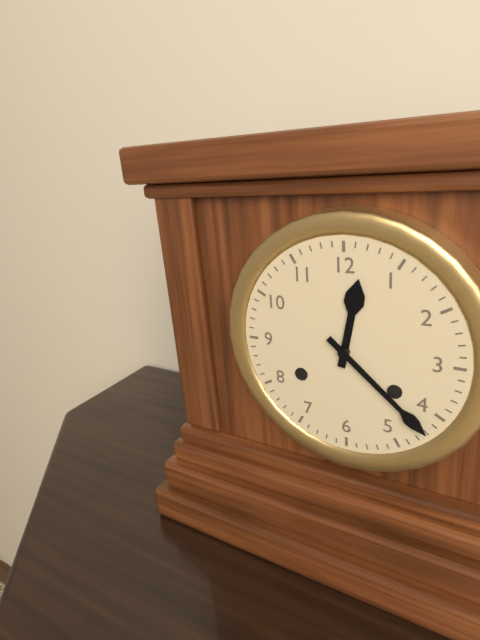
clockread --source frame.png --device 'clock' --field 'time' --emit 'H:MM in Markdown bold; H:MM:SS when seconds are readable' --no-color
**12:22**
